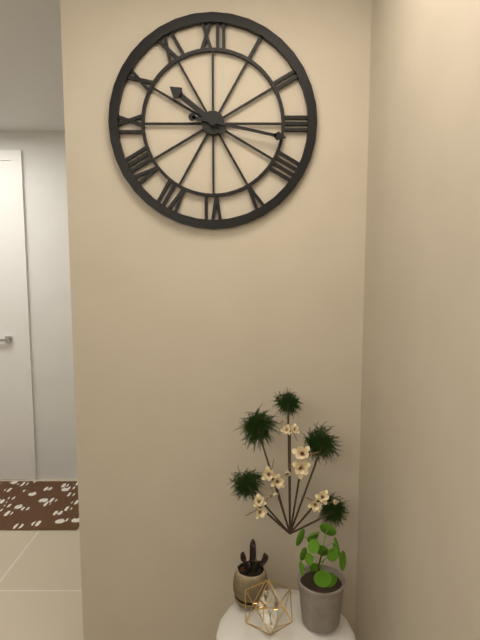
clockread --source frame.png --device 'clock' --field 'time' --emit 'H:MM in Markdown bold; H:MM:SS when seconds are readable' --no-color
**10:17**
